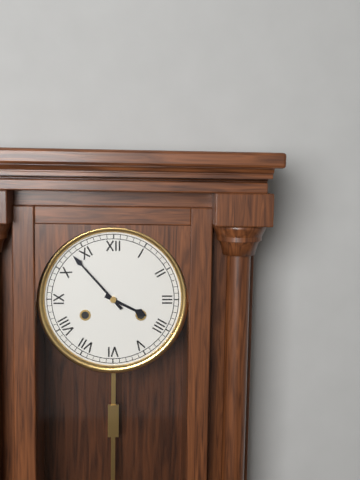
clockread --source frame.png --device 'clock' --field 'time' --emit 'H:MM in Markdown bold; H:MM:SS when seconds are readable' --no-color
**3:53**
